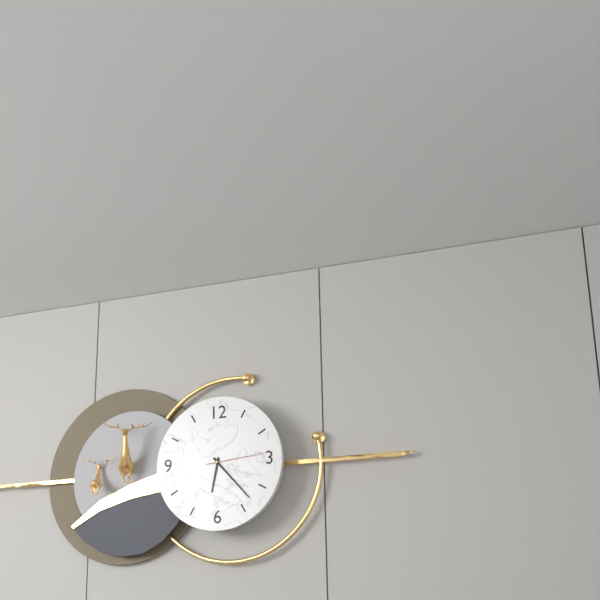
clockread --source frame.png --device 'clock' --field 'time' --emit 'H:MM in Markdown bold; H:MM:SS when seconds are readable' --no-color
**6:23:14**
